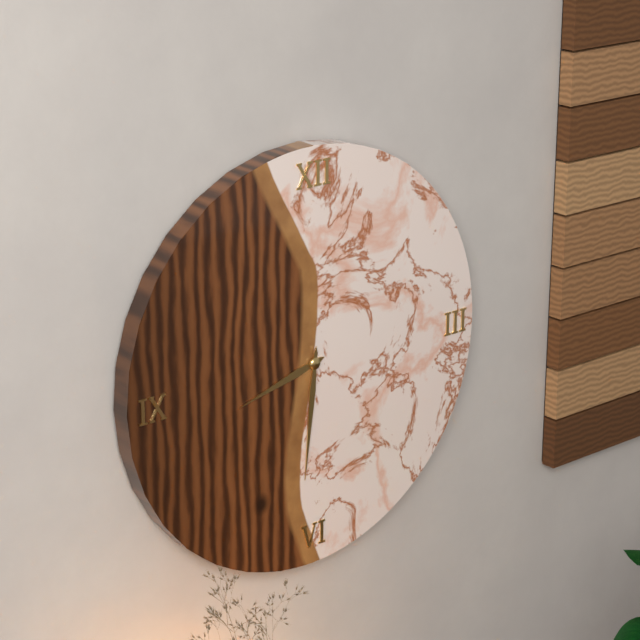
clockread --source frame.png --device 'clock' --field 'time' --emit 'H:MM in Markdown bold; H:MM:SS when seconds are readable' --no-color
**8:31**
